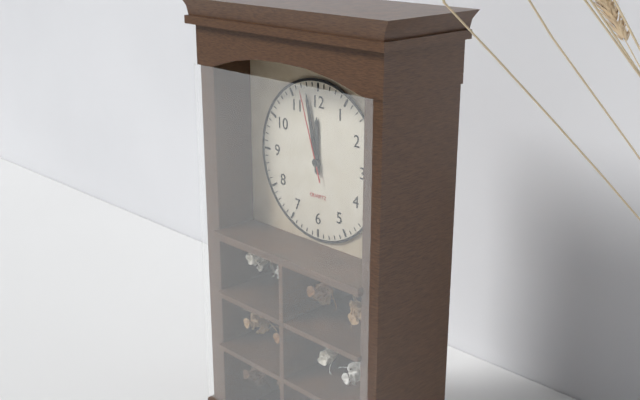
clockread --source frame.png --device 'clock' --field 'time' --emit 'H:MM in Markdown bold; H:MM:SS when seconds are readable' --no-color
**11:58:57**
